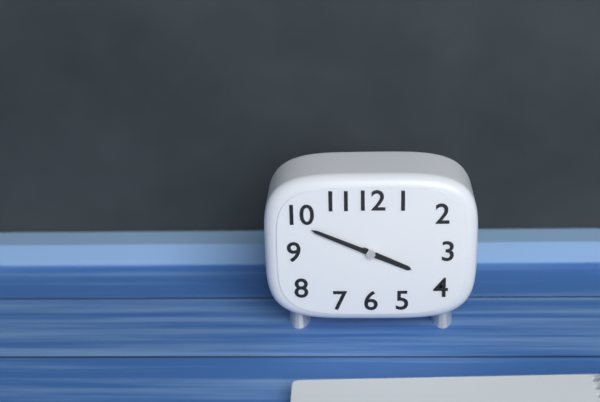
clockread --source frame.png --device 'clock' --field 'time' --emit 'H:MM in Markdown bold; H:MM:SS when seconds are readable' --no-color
**3:49**
